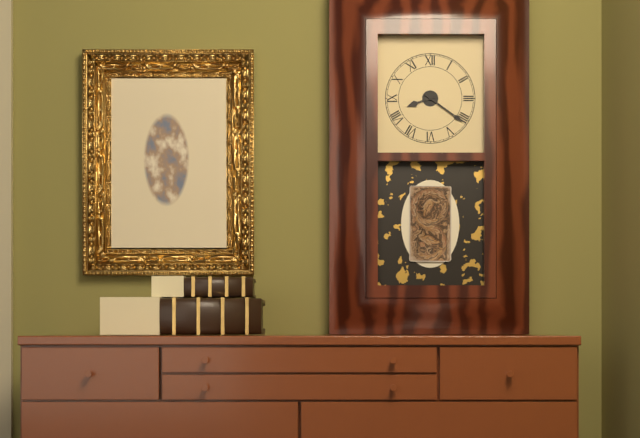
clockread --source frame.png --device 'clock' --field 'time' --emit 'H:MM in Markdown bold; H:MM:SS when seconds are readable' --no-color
**8:21**
